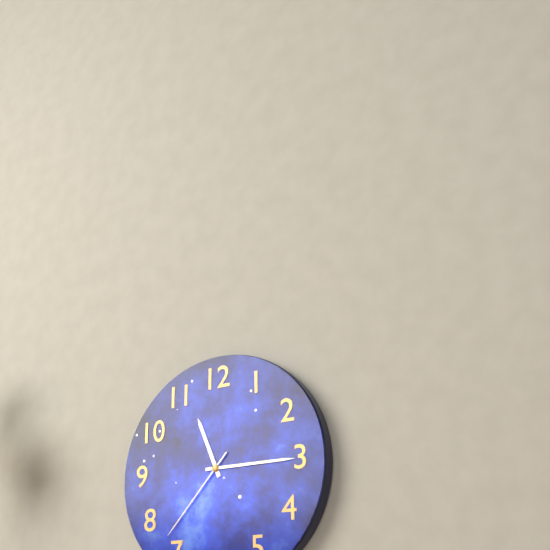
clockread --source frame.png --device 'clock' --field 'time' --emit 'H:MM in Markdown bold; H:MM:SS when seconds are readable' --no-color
**11:15:37**
